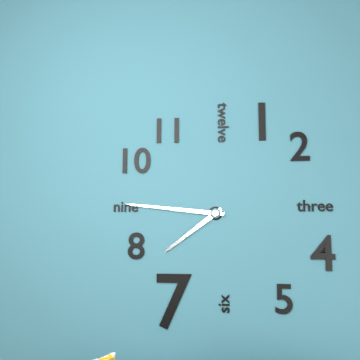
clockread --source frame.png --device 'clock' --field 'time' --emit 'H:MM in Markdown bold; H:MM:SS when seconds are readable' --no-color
**7:46**
